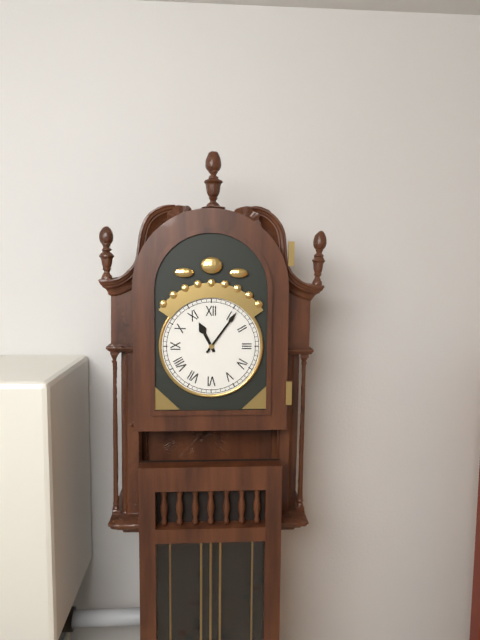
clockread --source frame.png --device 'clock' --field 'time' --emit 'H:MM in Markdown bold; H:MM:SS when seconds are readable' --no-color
**11:06**
